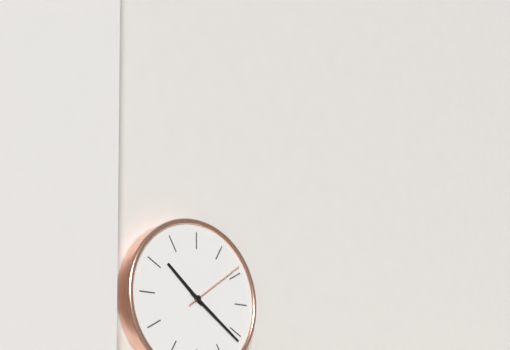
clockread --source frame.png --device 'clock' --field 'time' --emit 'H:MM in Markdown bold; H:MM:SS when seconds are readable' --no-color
**10:21:09**
